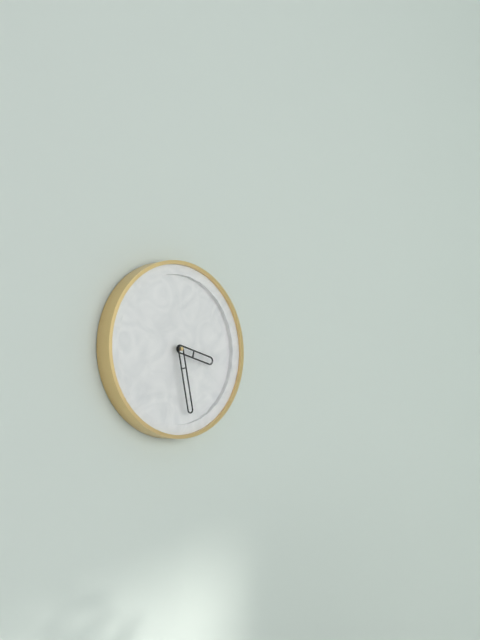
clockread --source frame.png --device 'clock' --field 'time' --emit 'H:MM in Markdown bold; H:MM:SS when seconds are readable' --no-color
**3:28**
